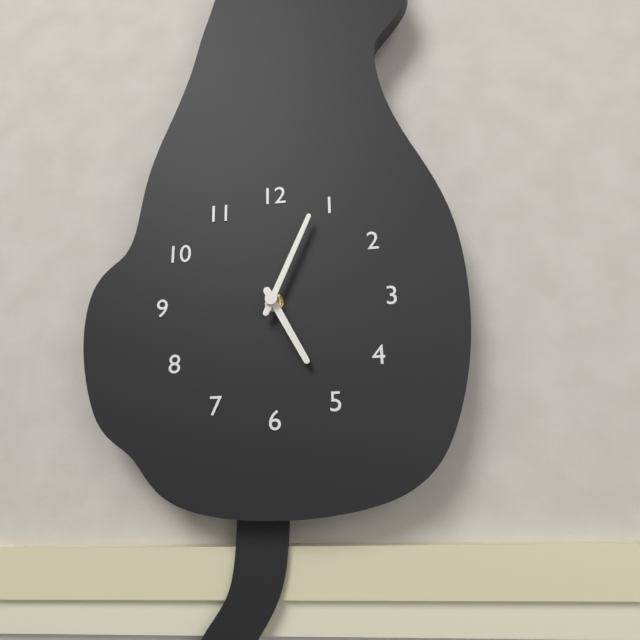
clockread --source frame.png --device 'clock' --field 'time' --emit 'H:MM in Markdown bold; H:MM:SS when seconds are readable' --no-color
**5:04**
